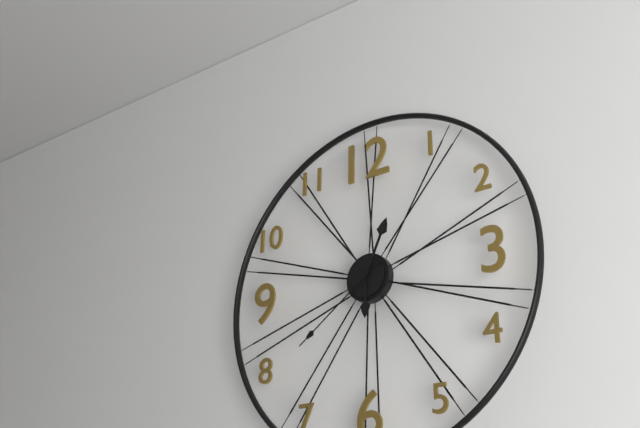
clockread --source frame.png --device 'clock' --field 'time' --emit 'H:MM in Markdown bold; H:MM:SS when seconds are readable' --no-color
**6:04:39**
